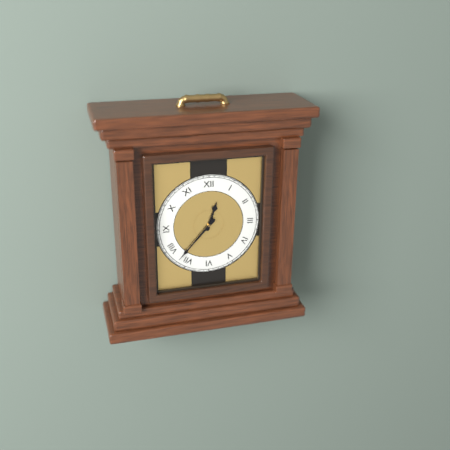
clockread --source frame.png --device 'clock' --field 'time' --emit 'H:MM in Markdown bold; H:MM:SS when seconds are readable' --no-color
**12:37**
